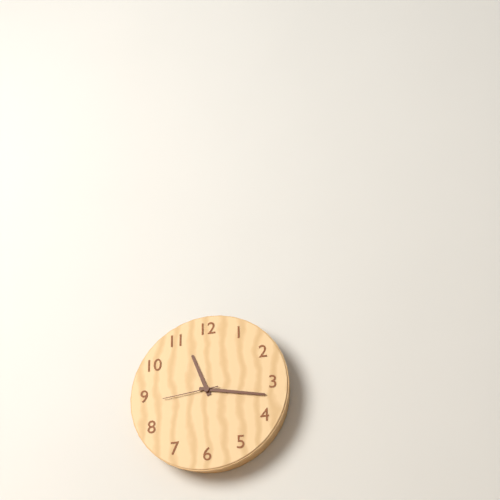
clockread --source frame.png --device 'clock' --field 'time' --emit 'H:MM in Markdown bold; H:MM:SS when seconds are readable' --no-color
**11:17:44**
